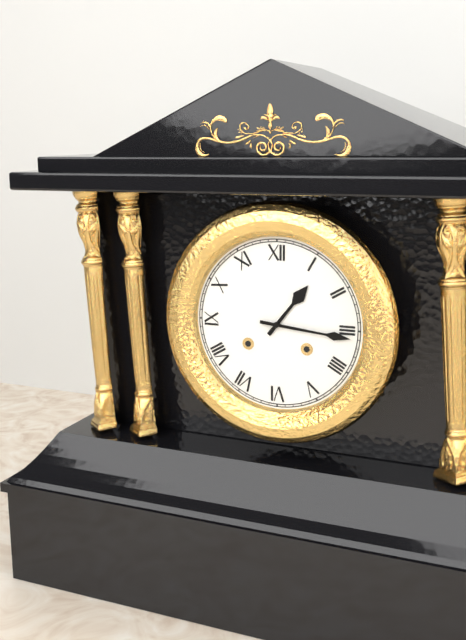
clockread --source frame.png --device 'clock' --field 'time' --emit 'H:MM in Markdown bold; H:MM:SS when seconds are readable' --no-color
**1:16**
